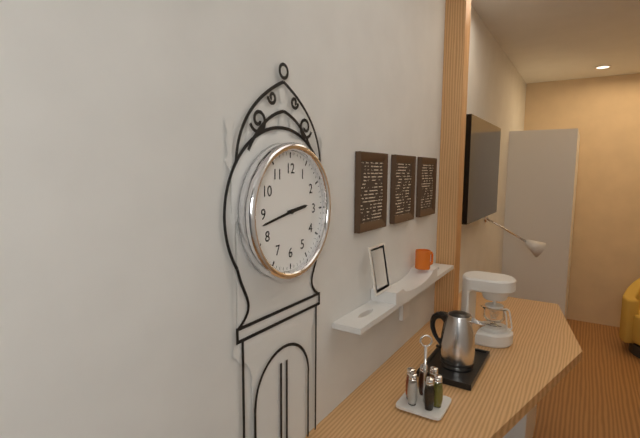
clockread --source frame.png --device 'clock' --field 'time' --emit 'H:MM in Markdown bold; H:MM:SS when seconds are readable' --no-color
**2:43**
